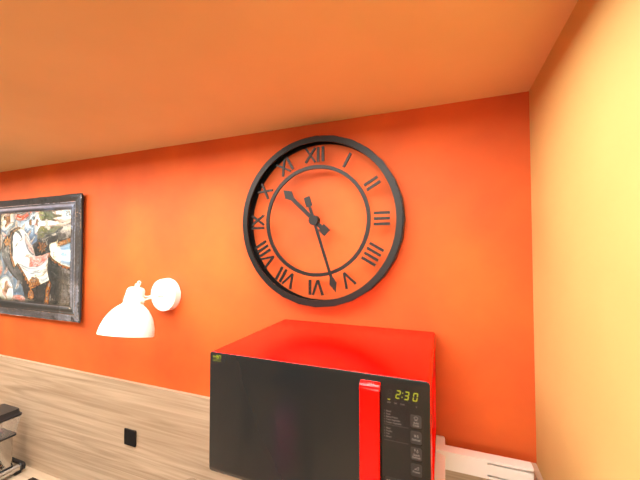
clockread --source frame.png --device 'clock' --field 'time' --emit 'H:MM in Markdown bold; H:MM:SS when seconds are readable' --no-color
**10:27**
